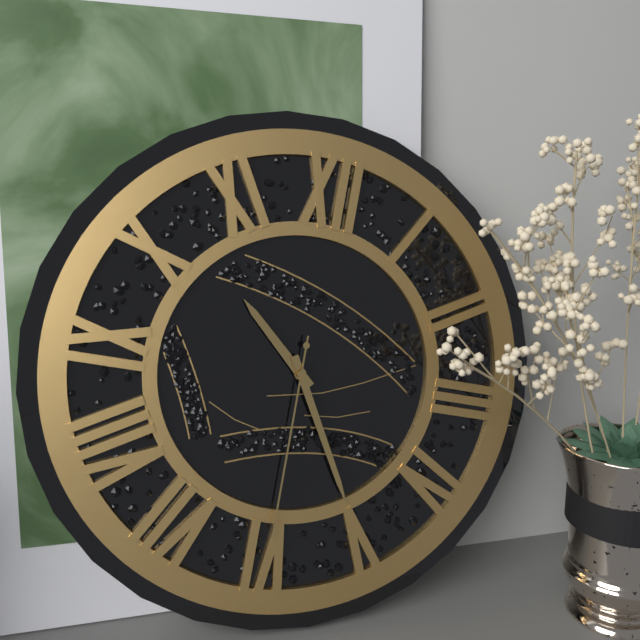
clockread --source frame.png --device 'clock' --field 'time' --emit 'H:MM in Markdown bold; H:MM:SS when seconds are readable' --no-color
**10:25:30**
